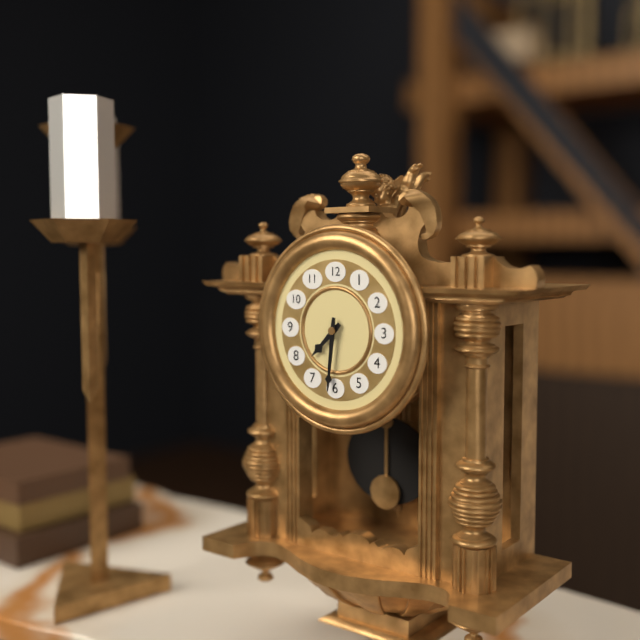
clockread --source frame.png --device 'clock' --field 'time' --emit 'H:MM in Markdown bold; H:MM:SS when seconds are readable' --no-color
**7:31**
